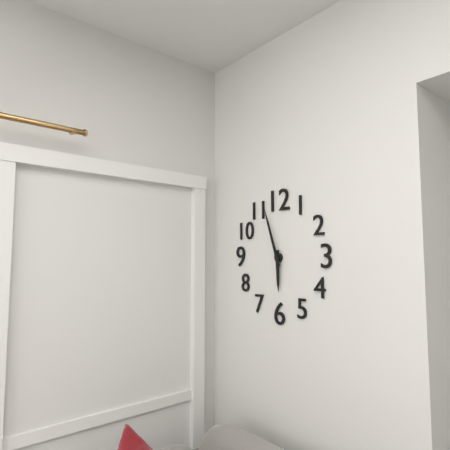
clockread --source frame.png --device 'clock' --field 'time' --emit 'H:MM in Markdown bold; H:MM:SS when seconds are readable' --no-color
**5:57**
